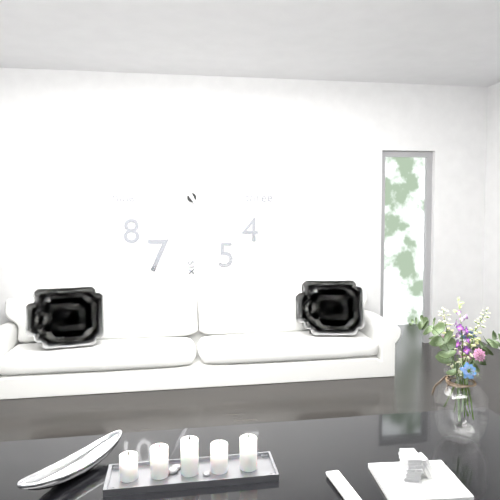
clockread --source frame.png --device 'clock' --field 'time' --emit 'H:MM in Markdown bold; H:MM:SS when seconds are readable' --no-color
**10:55**
